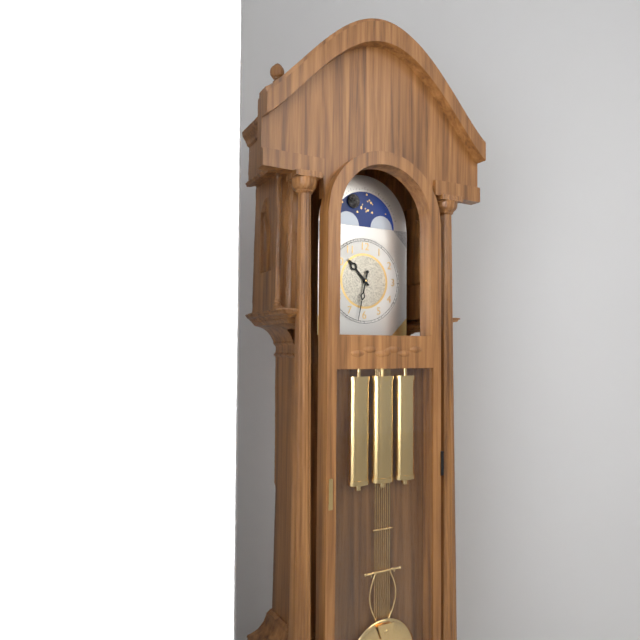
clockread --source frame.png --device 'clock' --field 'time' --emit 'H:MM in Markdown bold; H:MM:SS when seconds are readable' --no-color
**10:32**
